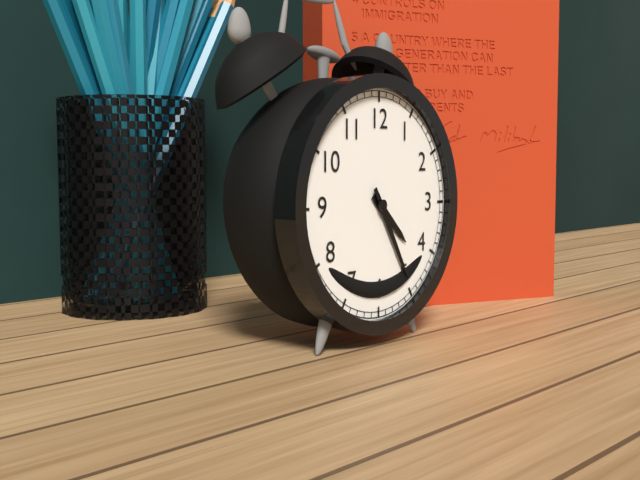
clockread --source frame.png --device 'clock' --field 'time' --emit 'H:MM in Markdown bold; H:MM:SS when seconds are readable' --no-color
**4:25**
